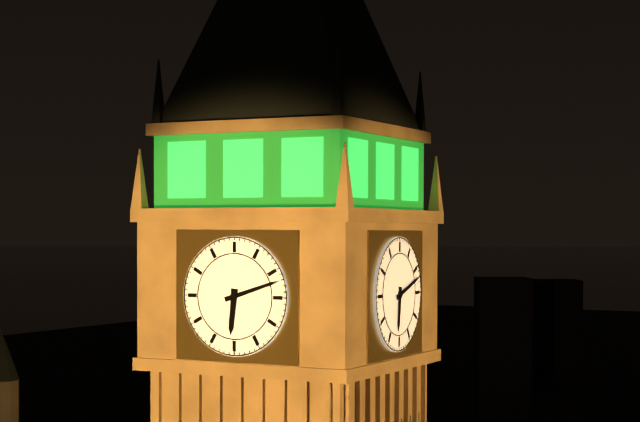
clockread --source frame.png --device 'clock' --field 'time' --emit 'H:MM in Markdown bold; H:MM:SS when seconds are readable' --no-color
**6:12**
